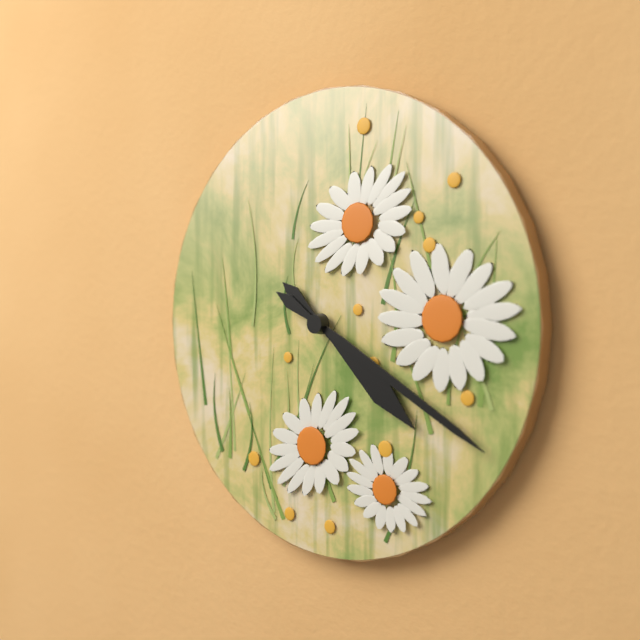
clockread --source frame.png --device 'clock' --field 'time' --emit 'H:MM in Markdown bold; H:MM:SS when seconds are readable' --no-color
**4:20**
